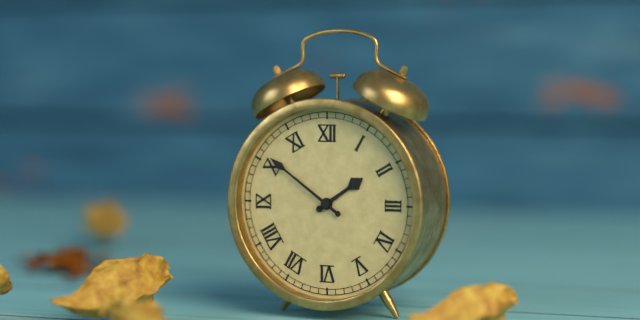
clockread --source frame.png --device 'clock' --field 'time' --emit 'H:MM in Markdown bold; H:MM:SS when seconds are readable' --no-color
**1:51**
